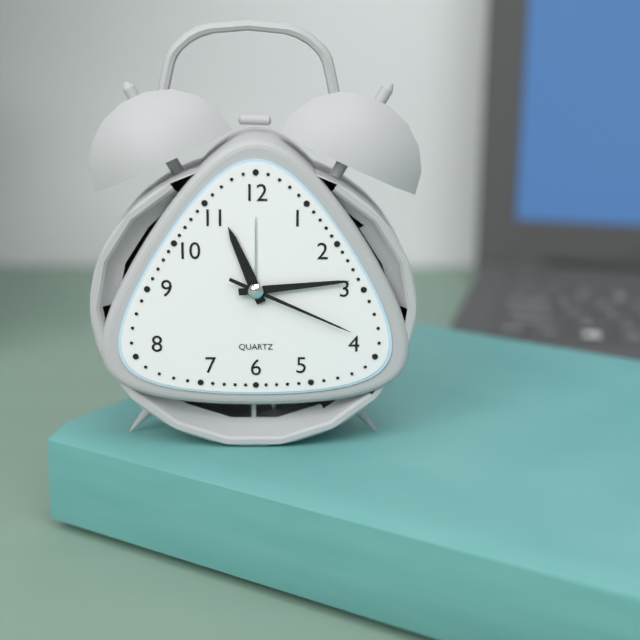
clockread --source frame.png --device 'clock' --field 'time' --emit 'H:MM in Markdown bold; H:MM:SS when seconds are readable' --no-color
**11:14:19**
